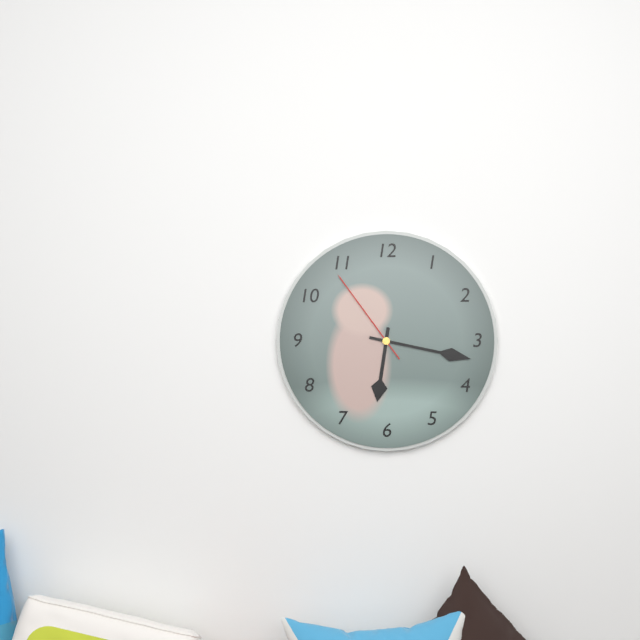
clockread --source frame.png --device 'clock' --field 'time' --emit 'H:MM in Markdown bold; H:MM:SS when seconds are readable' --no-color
**6:17:54**
